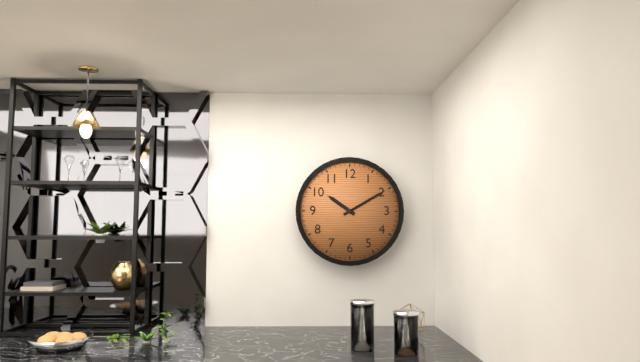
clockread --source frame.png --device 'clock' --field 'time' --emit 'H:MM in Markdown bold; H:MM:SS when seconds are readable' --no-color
**10:10**
